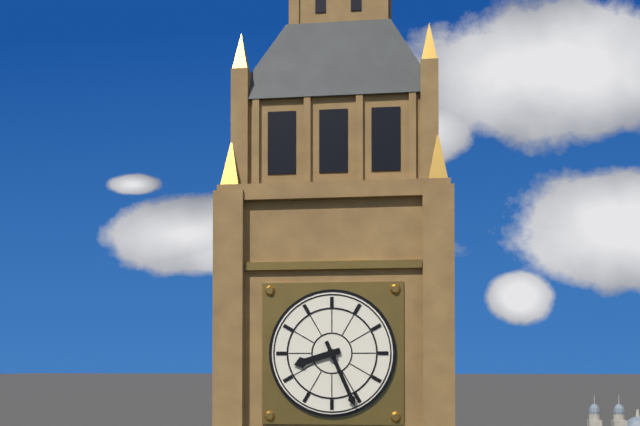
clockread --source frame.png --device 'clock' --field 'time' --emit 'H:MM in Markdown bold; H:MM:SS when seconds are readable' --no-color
**8:26**
